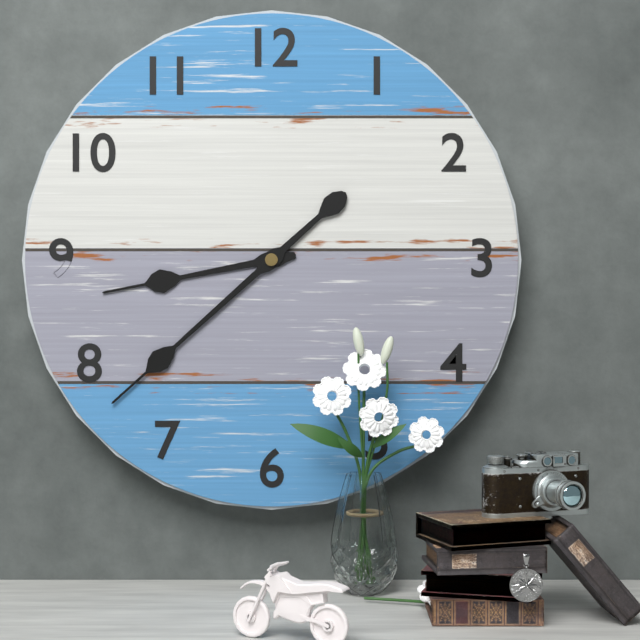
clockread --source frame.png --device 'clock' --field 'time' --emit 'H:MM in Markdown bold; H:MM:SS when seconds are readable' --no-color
**8:38**
